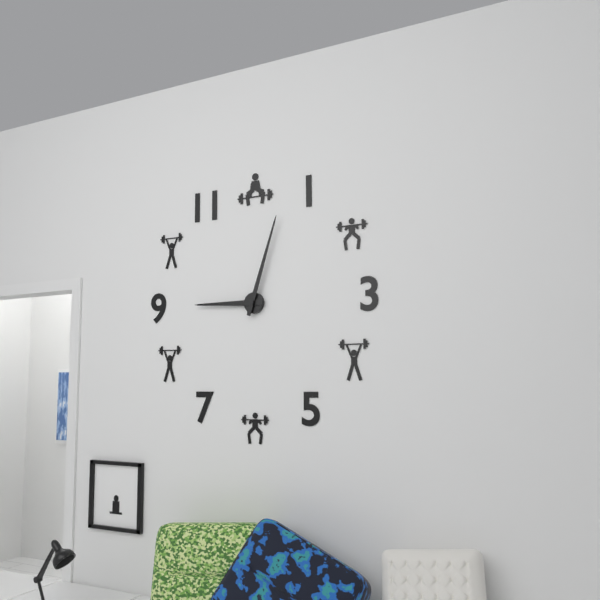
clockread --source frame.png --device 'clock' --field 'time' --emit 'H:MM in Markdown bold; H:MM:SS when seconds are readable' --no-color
**9:03**
